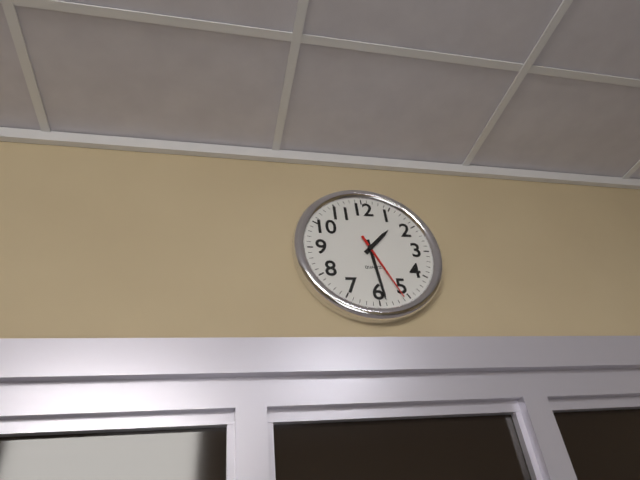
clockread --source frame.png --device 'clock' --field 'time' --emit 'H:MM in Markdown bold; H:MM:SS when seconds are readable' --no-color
**1:29:26**
